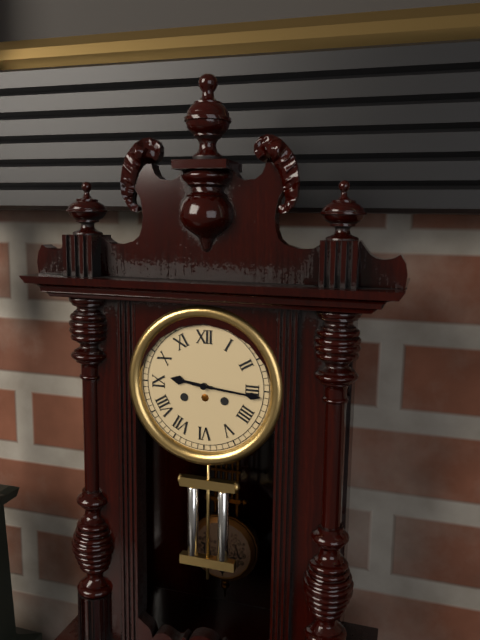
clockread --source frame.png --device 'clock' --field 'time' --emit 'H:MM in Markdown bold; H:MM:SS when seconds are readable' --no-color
**9:16**
